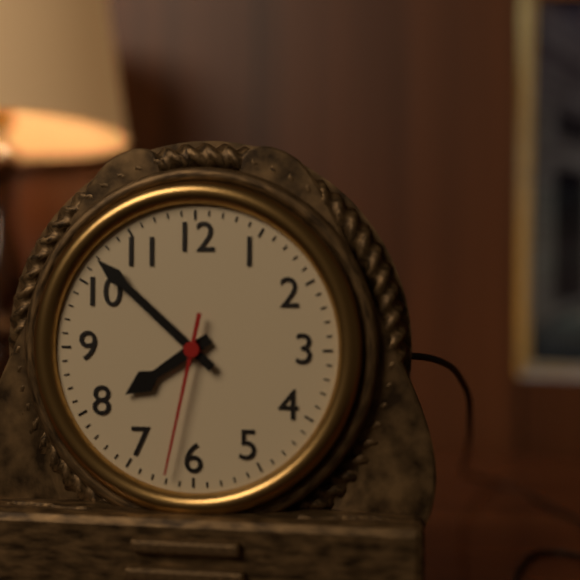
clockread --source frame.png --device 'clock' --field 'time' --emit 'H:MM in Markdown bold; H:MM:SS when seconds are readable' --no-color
**7:52:32**
